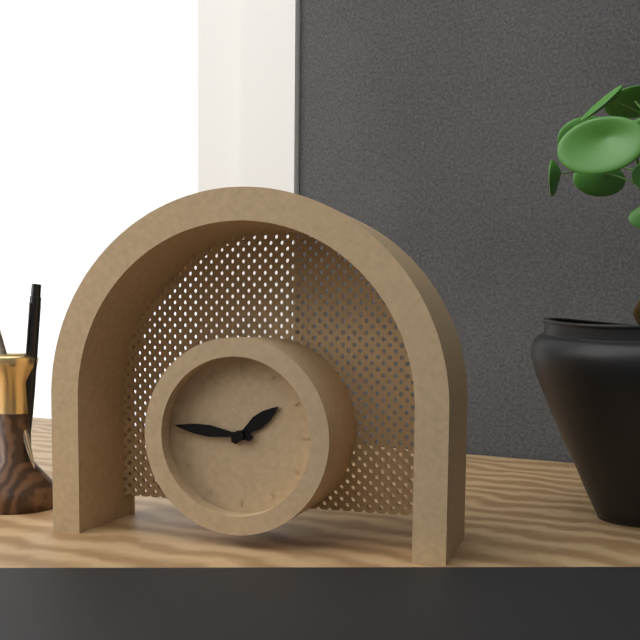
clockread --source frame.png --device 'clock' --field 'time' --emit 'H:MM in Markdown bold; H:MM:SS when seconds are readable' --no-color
**1:46**
